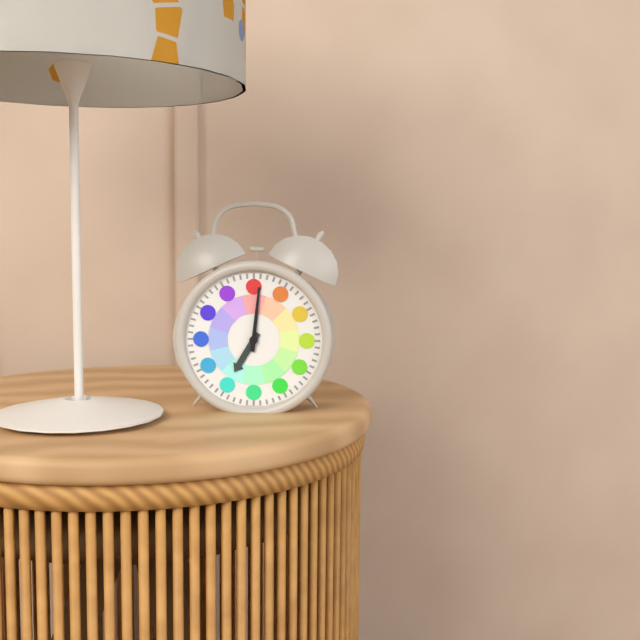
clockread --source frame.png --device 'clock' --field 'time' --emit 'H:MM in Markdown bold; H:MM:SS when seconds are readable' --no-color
**7:01**
